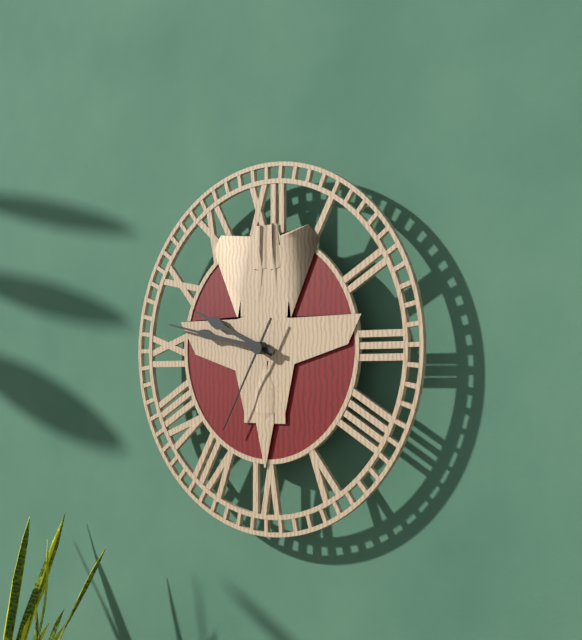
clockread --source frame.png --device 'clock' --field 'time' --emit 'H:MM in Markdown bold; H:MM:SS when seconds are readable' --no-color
**9:47:35**
